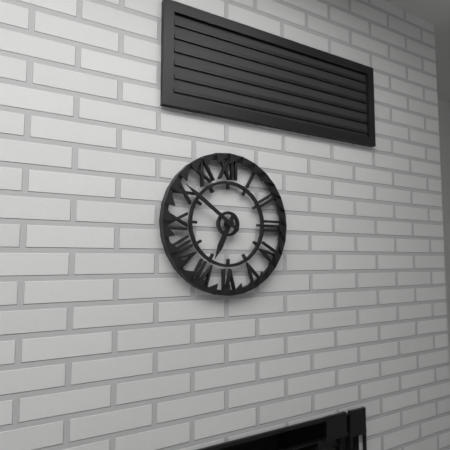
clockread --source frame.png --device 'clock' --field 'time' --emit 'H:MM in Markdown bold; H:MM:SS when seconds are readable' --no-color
**6:51**
